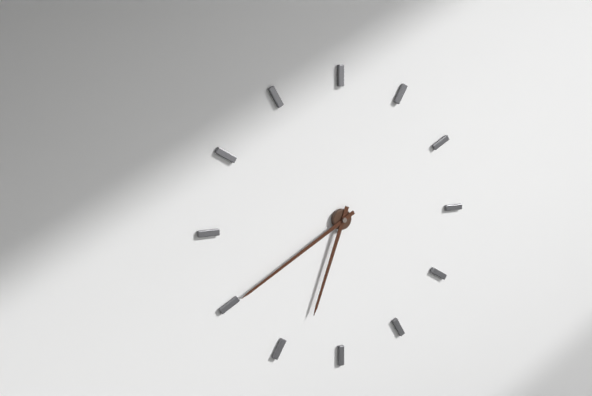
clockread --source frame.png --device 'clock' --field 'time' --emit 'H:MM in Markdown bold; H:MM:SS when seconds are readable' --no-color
**6:40**
